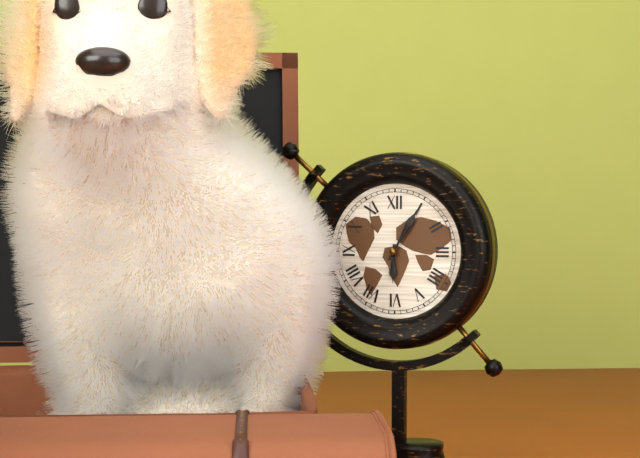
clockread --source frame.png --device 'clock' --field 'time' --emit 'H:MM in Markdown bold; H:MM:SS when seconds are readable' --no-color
**6:05**
